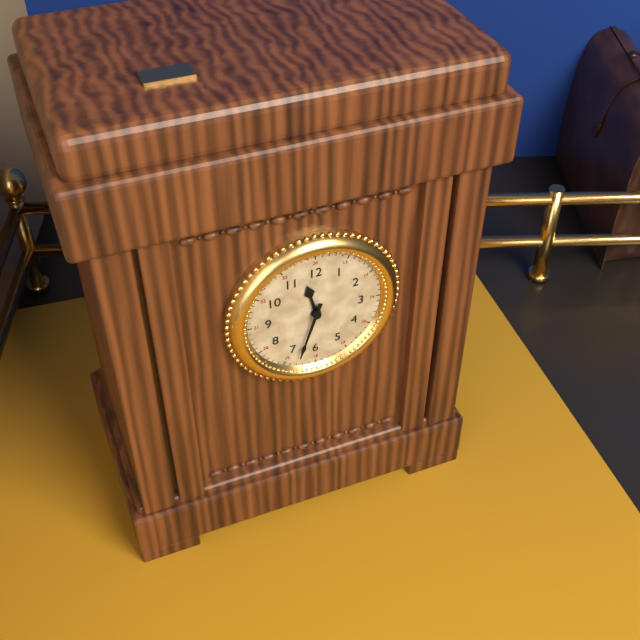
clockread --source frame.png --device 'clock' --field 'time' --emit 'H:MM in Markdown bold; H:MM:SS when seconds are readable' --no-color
**11:33**
